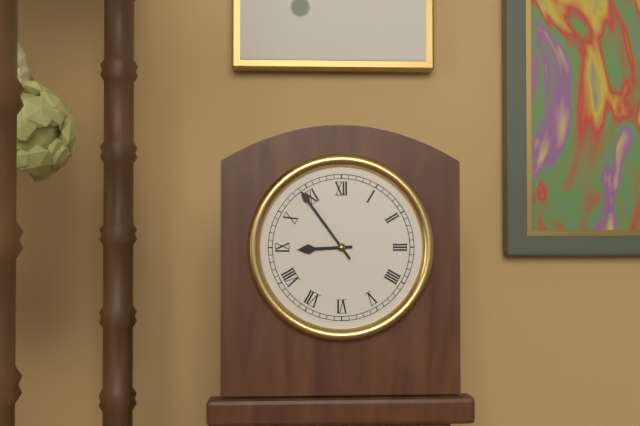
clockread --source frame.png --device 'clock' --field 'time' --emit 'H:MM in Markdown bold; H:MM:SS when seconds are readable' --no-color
**8:54**
